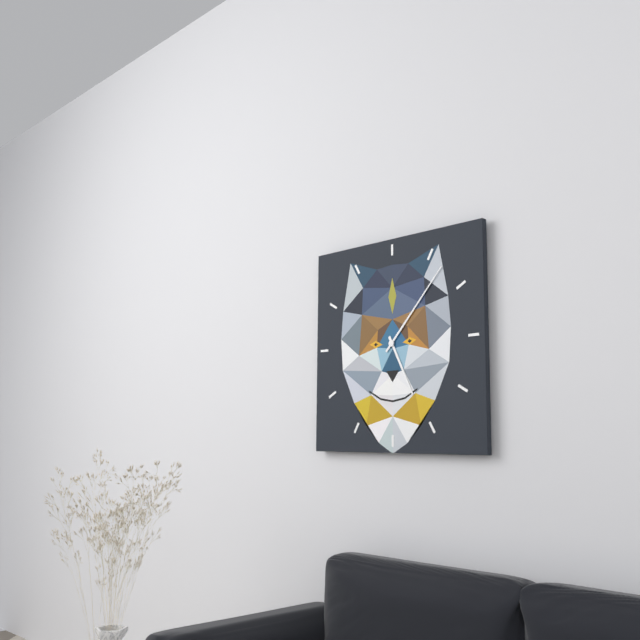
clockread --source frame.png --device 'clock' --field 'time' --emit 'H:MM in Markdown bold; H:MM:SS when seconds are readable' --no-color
**5:07**
